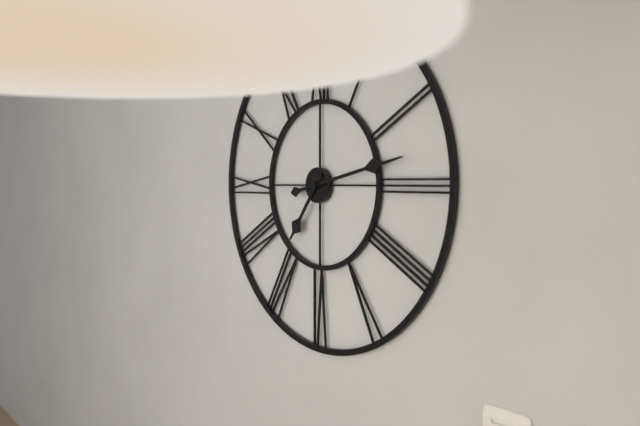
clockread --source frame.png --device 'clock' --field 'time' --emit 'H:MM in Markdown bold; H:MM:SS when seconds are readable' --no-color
**7:13**
